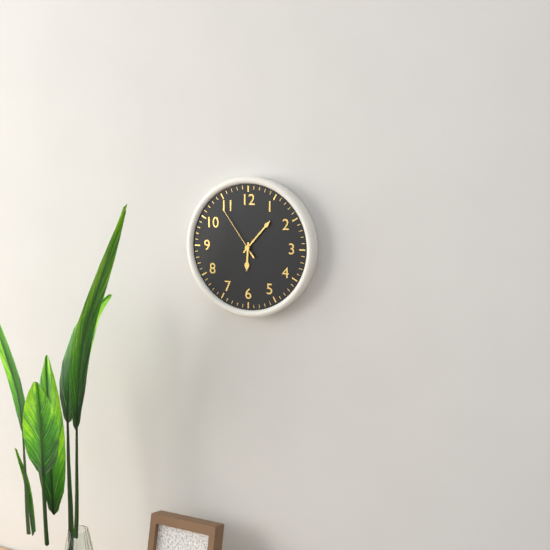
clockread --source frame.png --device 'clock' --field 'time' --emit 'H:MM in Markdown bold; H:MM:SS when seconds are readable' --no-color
**6:07:54**
